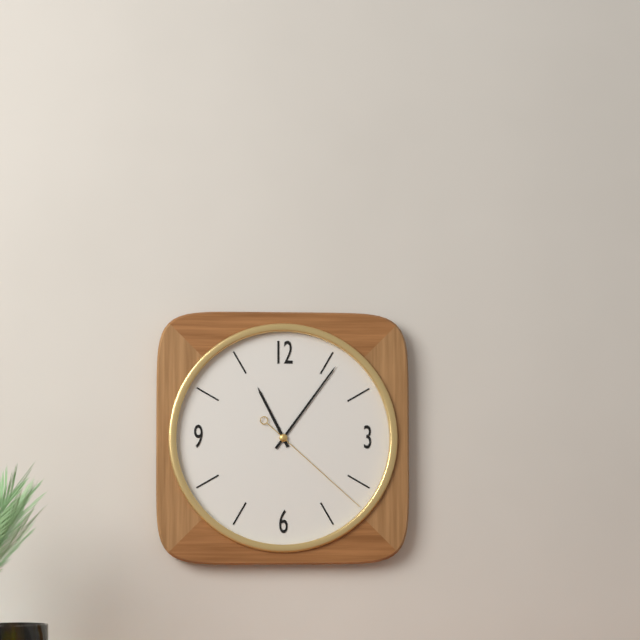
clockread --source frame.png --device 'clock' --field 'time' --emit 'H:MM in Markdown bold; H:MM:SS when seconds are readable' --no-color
**11:06:22**
